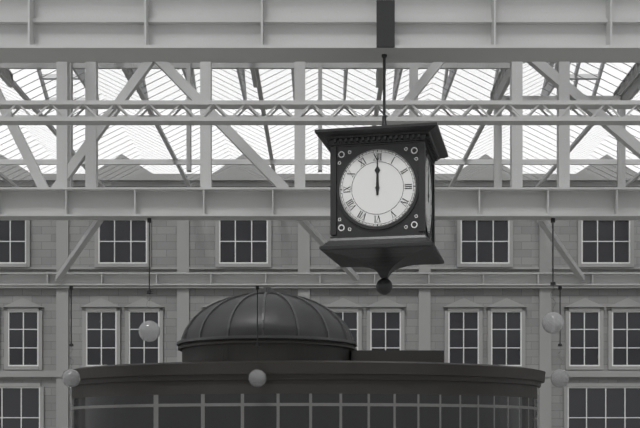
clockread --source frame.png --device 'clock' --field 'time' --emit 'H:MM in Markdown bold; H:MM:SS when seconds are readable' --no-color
**12:00**
